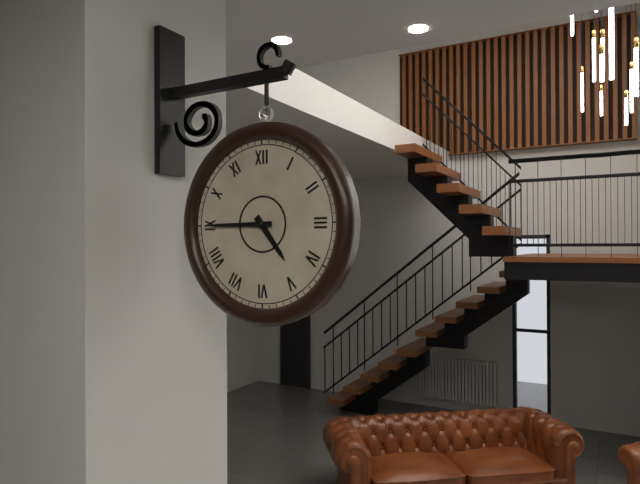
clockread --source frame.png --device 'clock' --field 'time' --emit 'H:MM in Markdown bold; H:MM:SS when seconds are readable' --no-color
**4:45**
